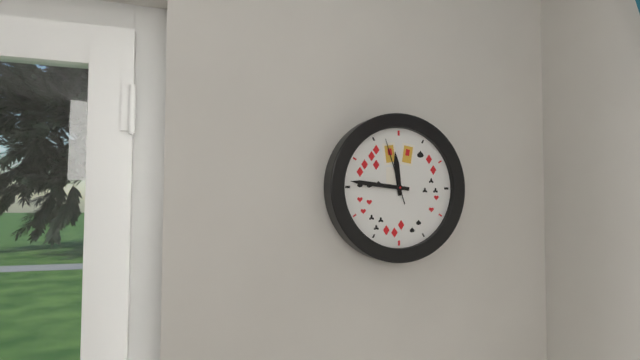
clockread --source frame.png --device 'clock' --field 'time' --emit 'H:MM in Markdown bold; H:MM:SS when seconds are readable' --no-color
**11:46:57**
